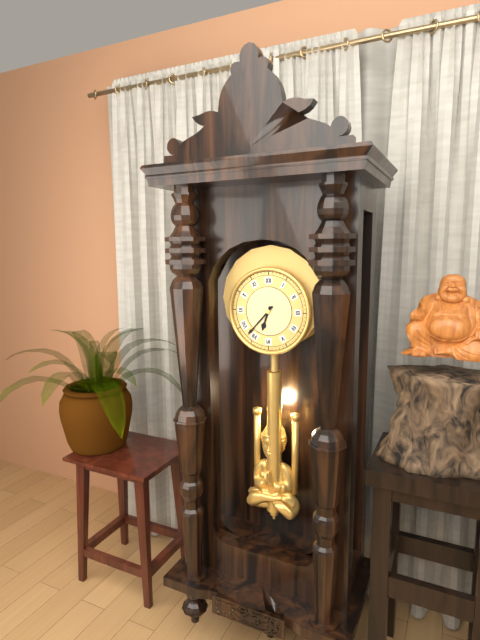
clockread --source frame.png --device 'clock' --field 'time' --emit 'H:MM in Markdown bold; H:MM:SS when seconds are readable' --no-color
**6:37**
